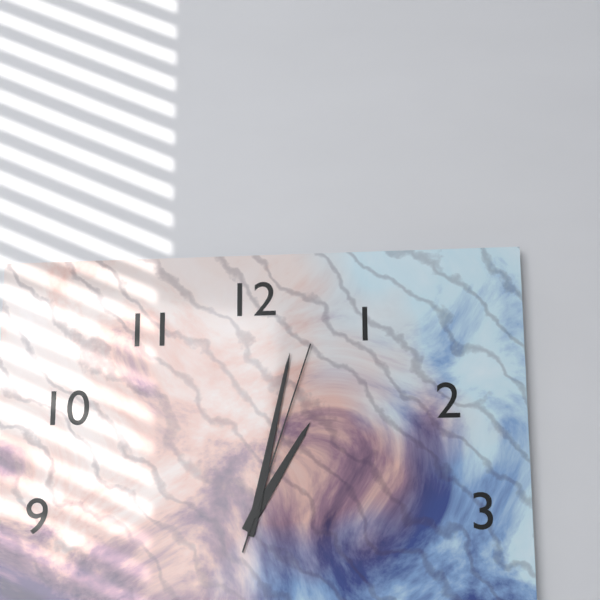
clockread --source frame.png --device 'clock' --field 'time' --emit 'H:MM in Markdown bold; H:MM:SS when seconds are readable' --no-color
**1:02:03**
